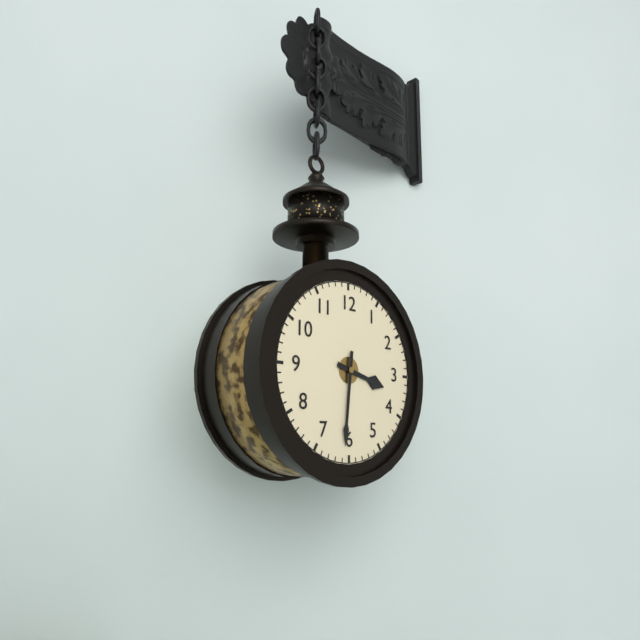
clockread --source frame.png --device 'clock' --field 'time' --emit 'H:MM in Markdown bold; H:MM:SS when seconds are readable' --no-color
**3:31**
